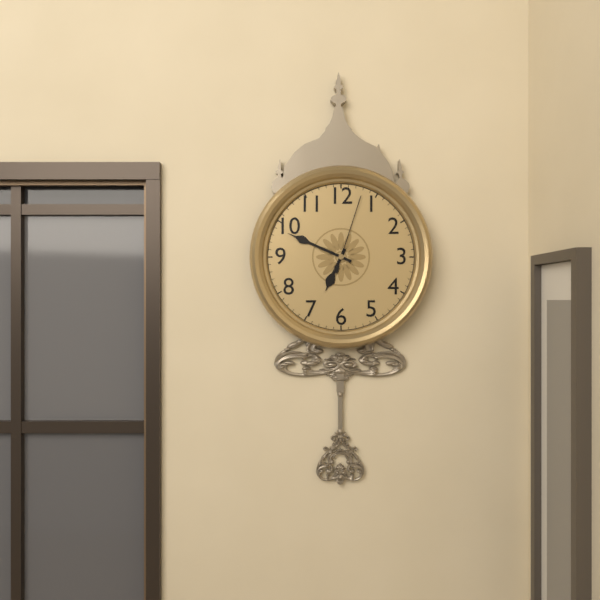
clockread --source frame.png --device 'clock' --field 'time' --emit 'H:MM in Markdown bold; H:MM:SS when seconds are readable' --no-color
**6:49:03**
